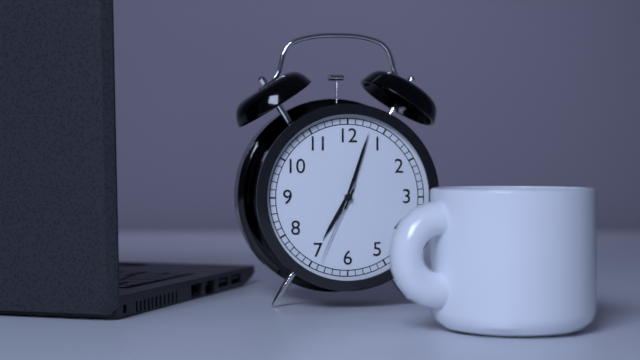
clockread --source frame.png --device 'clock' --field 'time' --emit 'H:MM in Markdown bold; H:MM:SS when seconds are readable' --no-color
**7:03:34**
